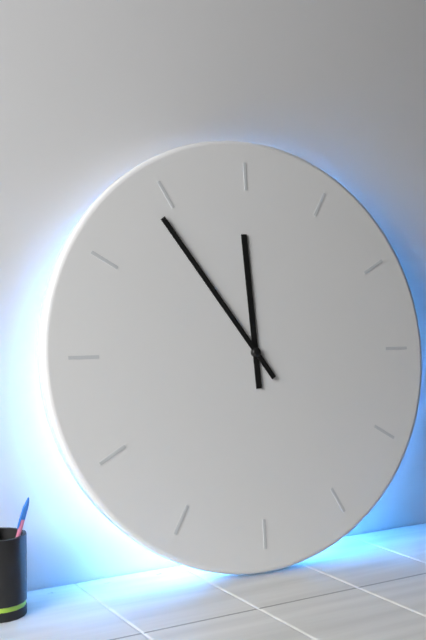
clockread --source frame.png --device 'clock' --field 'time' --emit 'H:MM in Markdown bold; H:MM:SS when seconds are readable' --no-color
**11:54**
